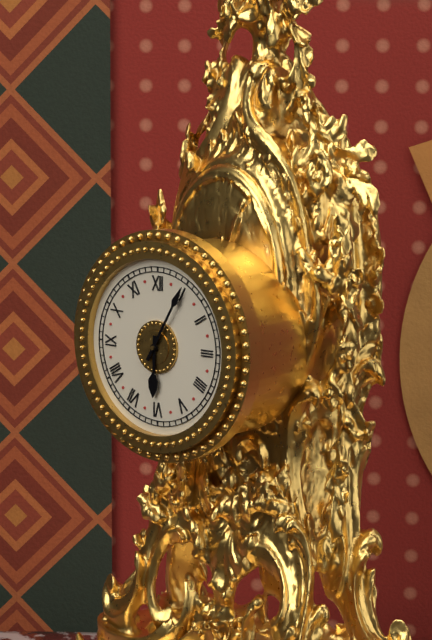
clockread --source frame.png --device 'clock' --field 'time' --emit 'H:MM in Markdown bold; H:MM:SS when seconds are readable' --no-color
**6:05**
